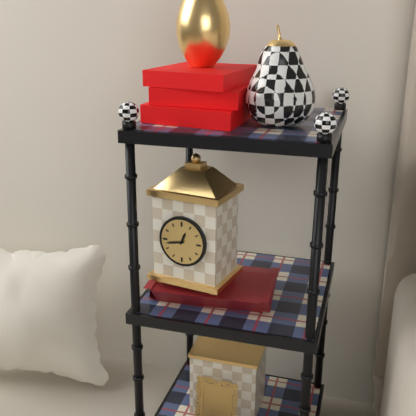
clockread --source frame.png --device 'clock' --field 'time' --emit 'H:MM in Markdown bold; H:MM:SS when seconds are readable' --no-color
**12:43**
